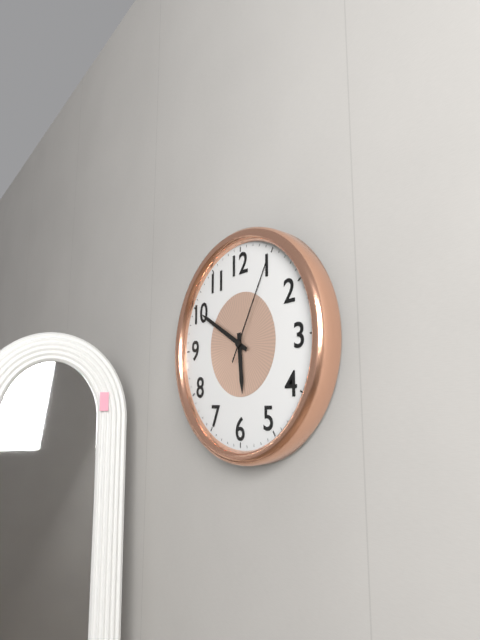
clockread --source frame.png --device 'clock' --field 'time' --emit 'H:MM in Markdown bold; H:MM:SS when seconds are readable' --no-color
**5:50:05**
